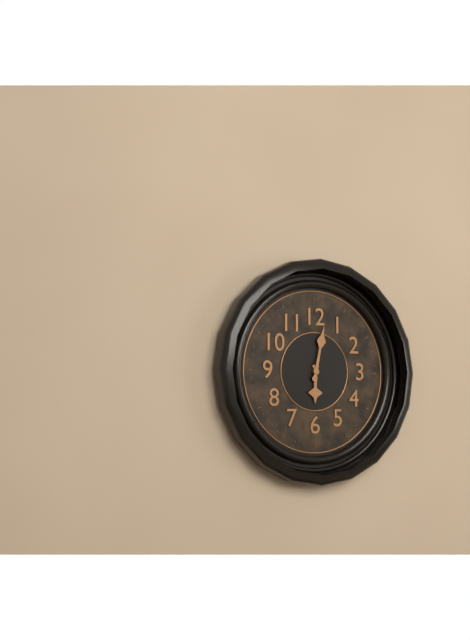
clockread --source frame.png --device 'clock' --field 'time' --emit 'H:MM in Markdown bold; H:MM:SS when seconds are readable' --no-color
**6:02**
